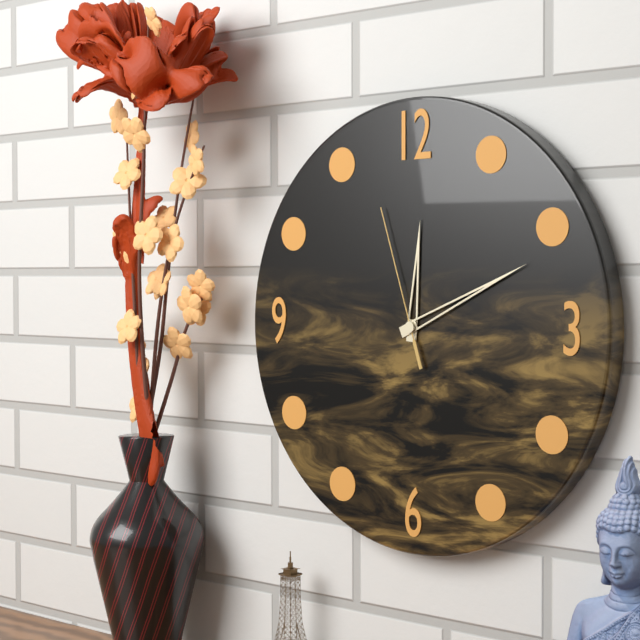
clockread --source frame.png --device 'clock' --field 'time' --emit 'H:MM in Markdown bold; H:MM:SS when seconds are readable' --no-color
**12:11:57**
